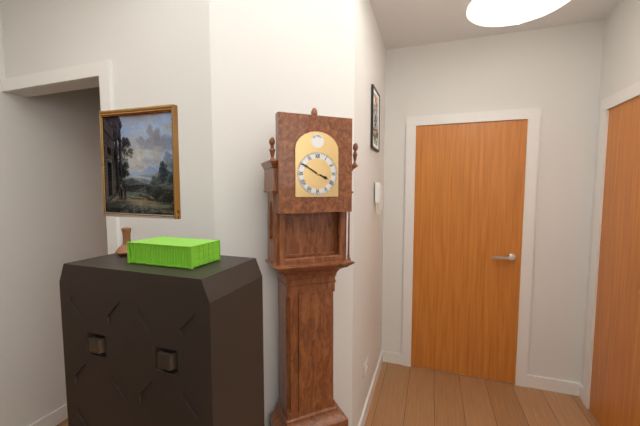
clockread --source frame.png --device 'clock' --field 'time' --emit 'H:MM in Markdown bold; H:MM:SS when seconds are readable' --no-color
**3:50**
